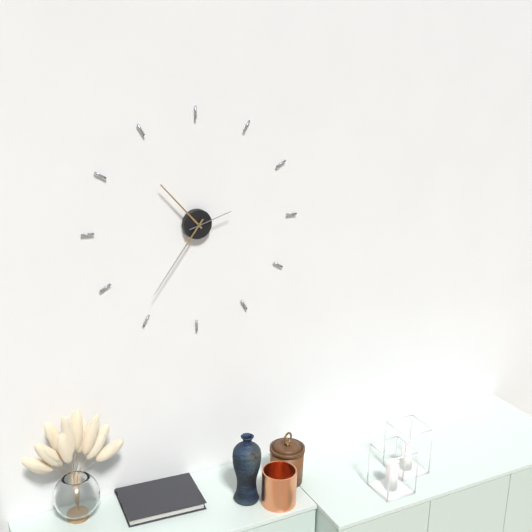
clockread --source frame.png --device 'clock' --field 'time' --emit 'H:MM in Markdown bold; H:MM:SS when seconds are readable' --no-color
**10:36**
